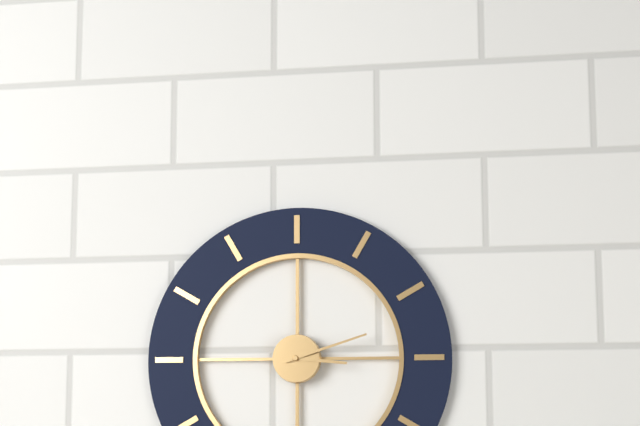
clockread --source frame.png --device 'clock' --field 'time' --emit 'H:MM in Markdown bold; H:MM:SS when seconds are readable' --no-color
**3:12**
